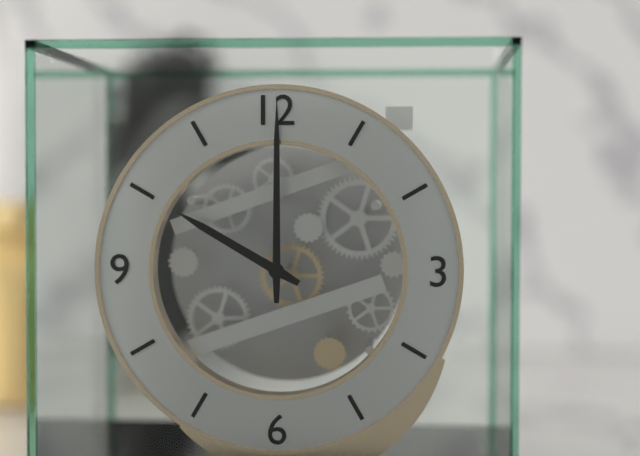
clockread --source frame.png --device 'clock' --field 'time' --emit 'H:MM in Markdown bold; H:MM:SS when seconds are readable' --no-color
**10:00**
